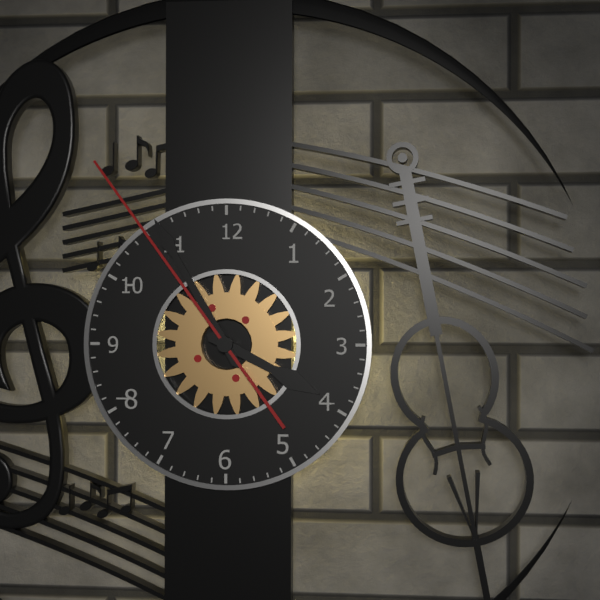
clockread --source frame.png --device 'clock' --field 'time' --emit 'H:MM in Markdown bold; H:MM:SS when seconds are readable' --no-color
**3:55:54**
